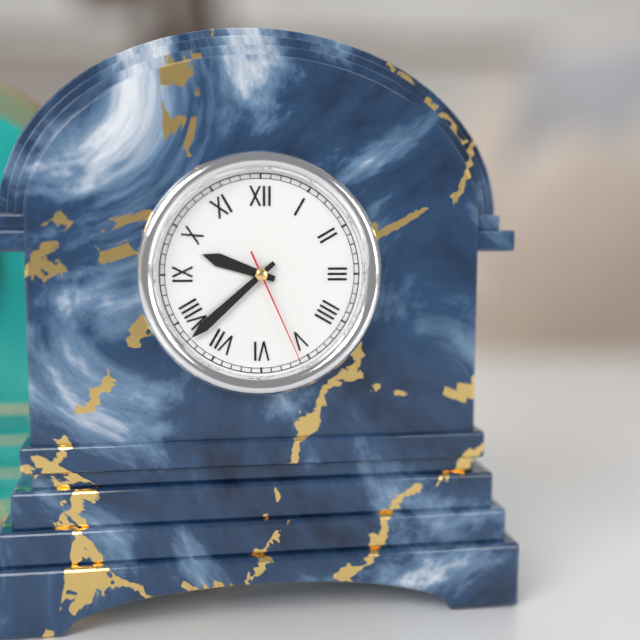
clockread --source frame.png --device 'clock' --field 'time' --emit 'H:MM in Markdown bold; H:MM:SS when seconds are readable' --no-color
**9:38:26**
